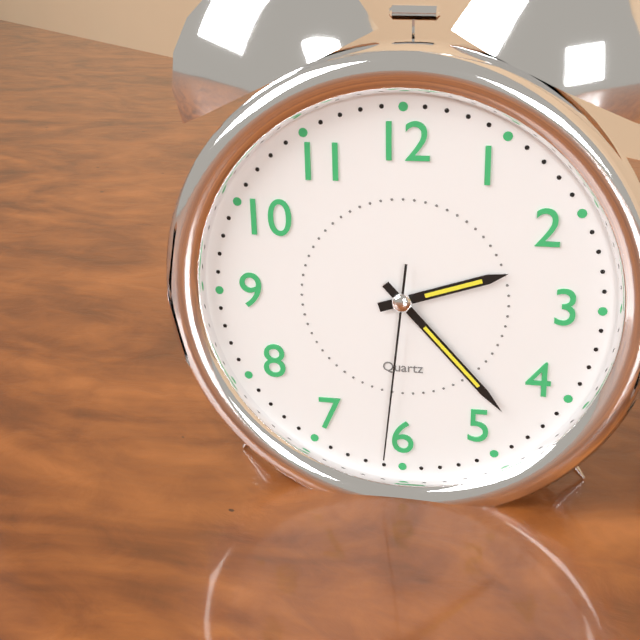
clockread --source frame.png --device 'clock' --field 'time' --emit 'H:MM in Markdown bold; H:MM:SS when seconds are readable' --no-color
**2:23:31**
